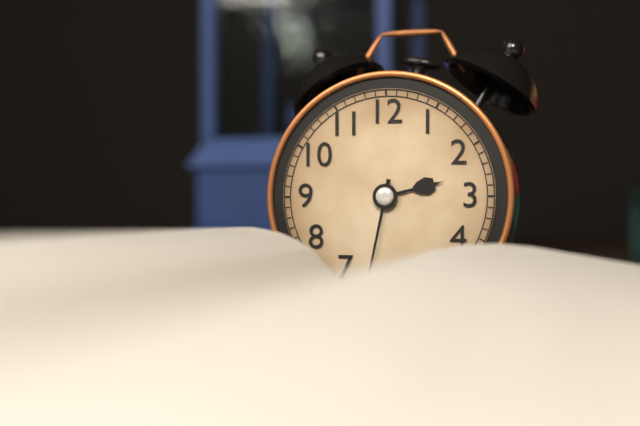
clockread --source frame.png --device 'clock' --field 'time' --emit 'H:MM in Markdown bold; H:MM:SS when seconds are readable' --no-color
**2:32**
